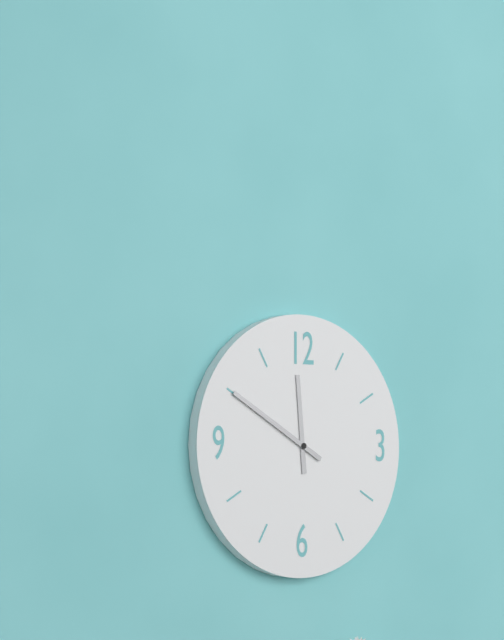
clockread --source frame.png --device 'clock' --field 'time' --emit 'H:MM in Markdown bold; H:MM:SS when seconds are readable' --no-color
**11:50**
